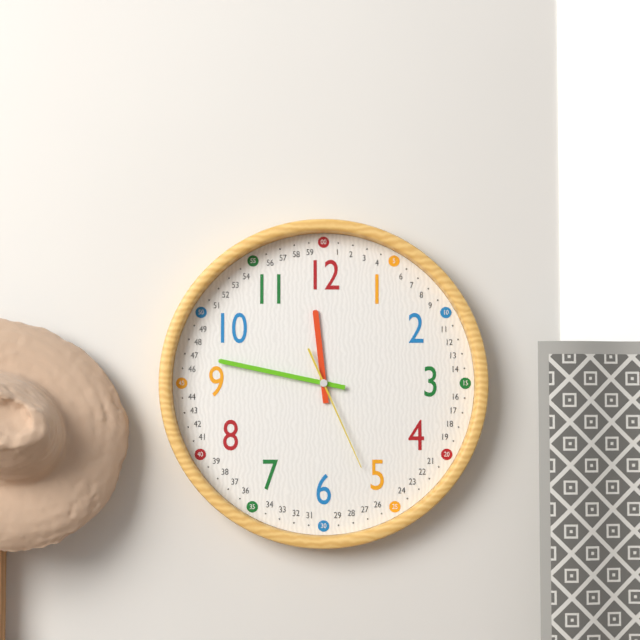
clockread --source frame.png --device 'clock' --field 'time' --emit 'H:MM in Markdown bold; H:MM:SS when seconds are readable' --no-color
**11:47:26**
